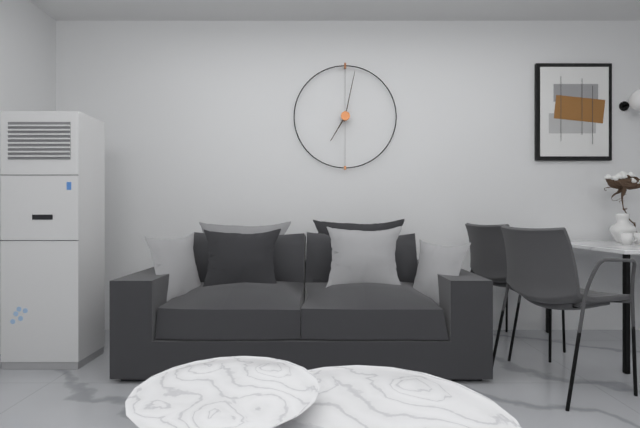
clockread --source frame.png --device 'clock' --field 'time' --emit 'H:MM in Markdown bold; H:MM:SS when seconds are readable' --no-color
**7:02**
